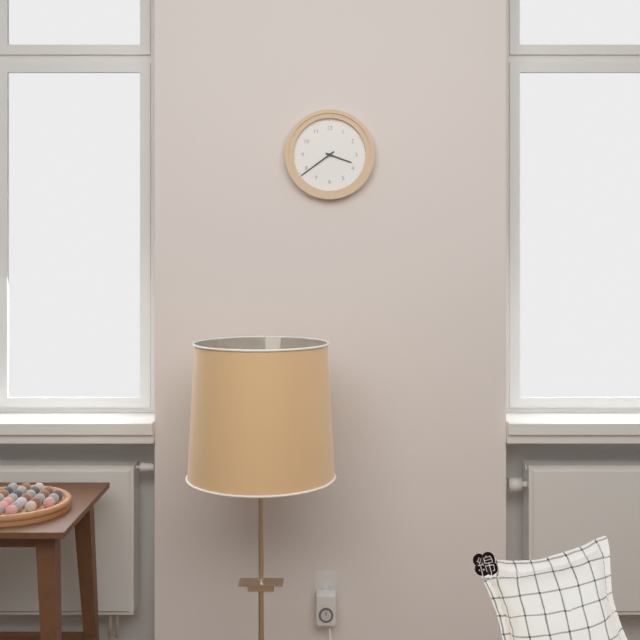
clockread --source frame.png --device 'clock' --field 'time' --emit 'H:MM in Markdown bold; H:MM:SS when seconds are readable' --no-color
**3:39**
